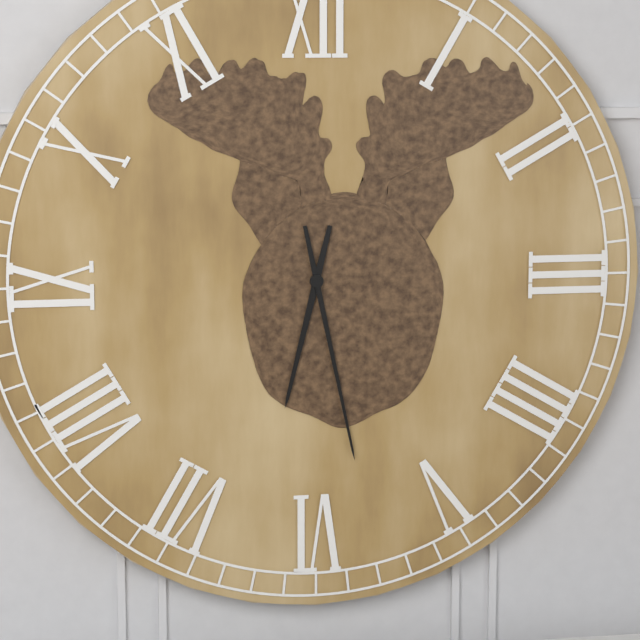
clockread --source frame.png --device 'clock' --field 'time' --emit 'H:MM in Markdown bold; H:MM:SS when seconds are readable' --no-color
**6:28**
